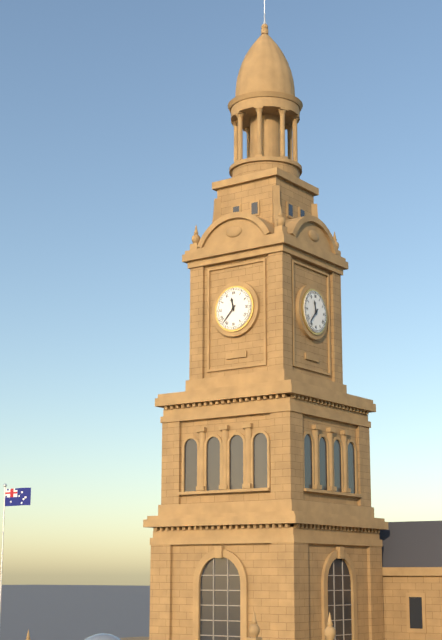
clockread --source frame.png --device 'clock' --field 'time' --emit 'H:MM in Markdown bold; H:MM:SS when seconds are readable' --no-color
**11:37**
